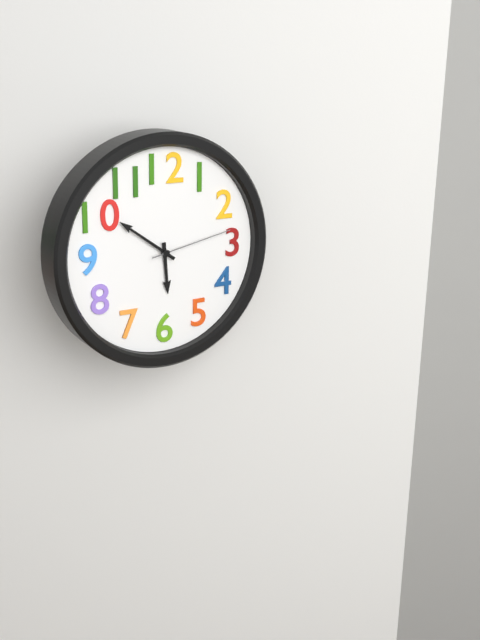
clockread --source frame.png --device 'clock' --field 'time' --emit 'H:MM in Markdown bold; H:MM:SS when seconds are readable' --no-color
**5:51:13**
